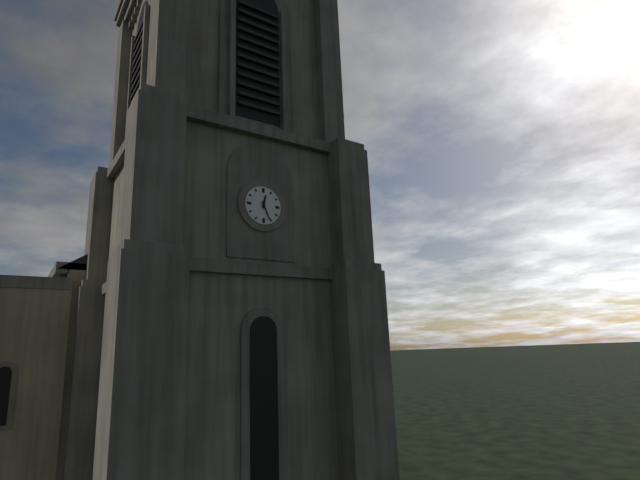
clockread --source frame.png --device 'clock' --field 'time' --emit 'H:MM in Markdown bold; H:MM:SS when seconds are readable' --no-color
**12:26**
